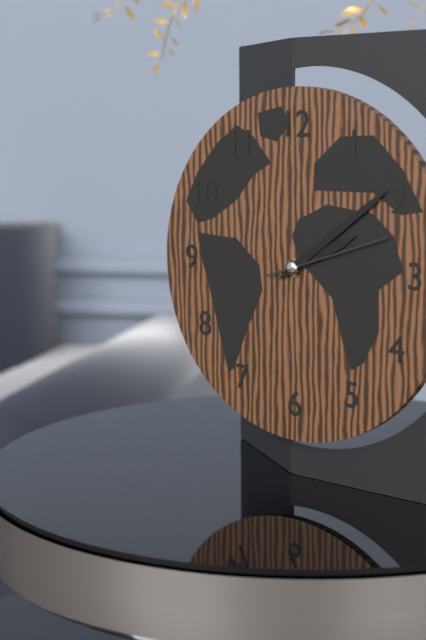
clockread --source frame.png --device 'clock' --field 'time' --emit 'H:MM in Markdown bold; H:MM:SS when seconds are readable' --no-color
**2:09:12**
